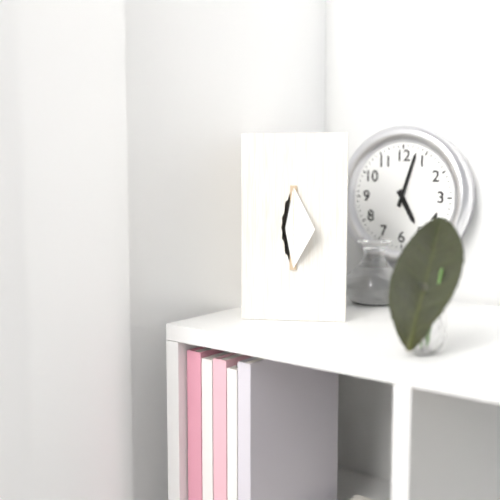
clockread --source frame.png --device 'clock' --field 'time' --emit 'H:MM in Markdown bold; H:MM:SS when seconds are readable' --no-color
**5:03**
